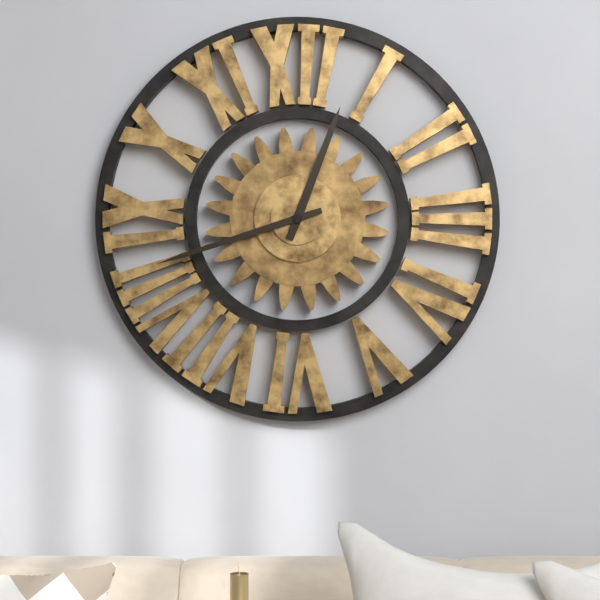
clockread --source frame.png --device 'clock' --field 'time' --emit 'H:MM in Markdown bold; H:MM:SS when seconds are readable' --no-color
**12:42**
